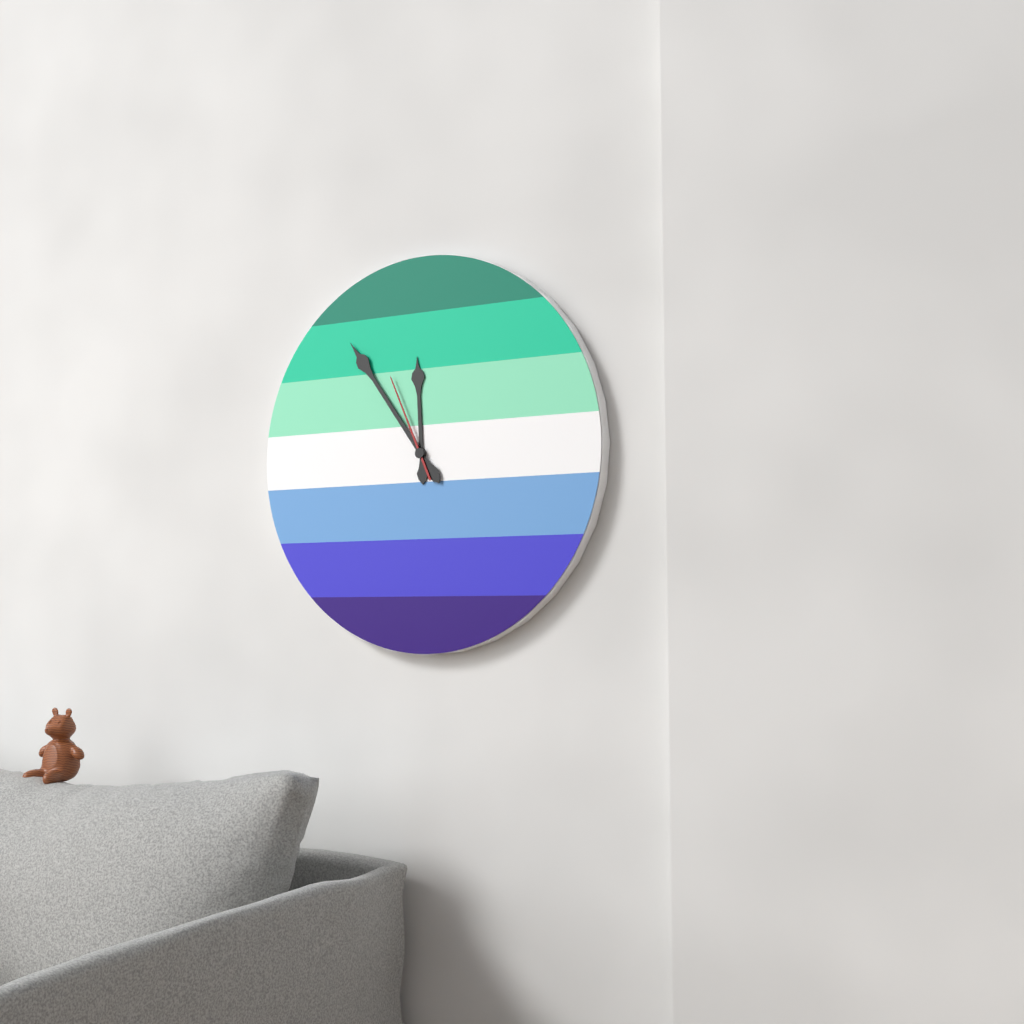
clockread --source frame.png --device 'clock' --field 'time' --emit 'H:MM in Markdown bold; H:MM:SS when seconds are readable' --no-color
**11:54:56**
